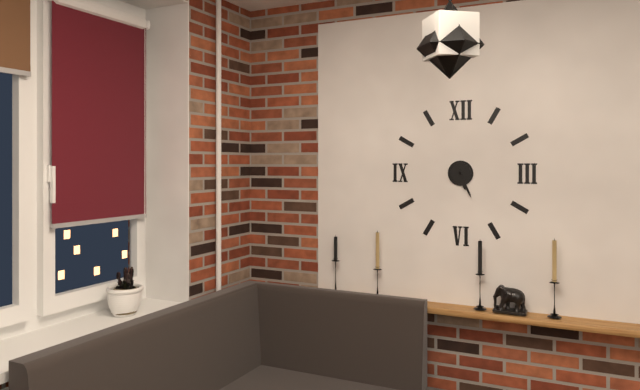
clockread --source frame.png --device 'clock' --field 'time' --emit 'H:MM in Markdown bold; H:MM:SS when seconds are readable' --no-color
**5:26**
